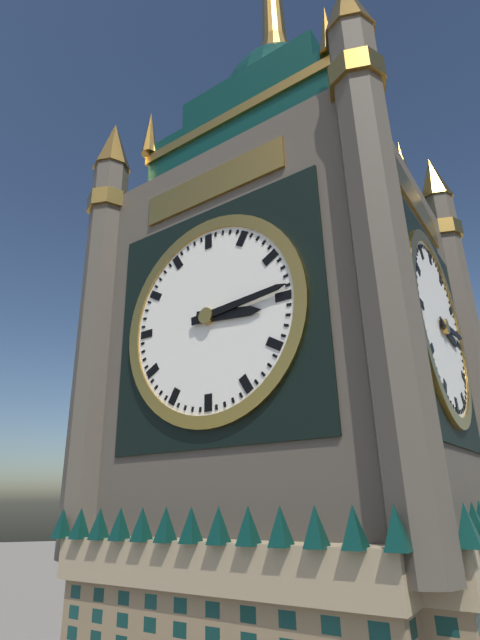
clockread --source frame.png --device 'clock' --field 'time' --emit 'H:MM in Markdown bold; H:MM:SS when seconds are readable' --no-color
**3:14**
